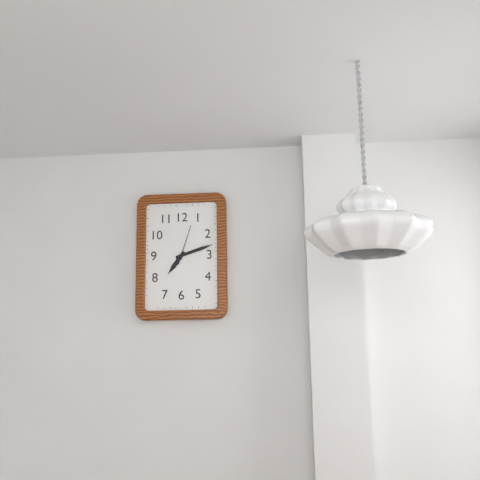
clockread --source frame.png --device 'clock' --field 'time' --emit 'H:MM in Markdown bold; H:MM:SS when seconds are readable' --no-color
**7:12**
